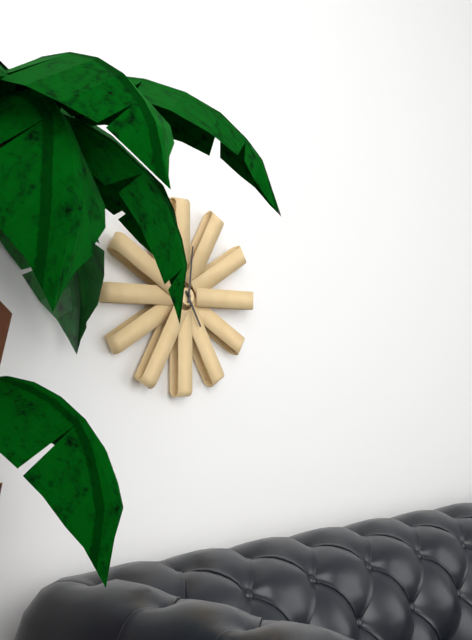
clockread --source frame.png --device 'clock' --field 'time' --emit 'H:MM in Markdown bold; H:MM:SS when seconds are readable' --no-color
**5:01**
